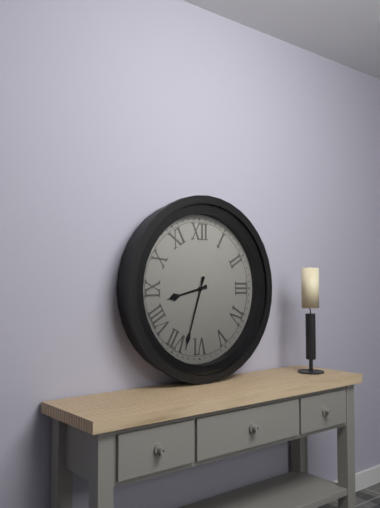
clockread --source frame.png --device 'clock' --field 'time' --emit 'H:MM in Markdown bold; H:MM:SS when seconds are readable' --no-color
**8:33**
